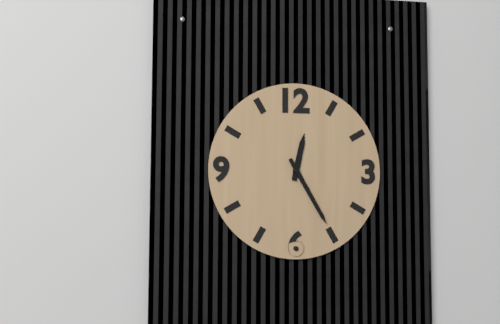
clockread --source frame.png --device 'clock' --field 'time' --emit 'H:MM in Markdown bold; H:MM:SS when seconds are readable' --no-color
**12:25**
